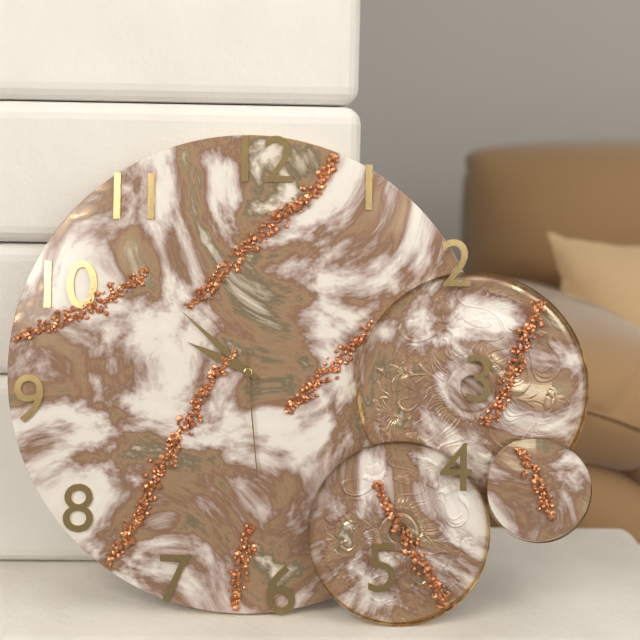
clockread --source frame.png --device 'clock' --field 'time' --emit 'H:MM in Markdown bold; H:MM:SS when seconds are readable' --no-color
**9:52:29**
